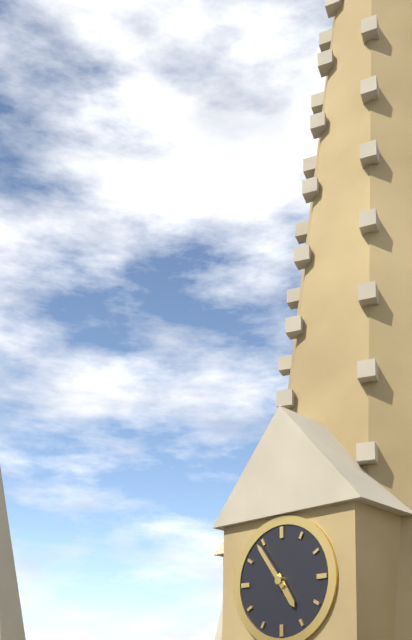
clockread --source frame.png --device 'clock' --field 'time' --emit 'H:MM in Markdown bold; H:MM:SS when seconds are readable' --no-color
**4:54**
